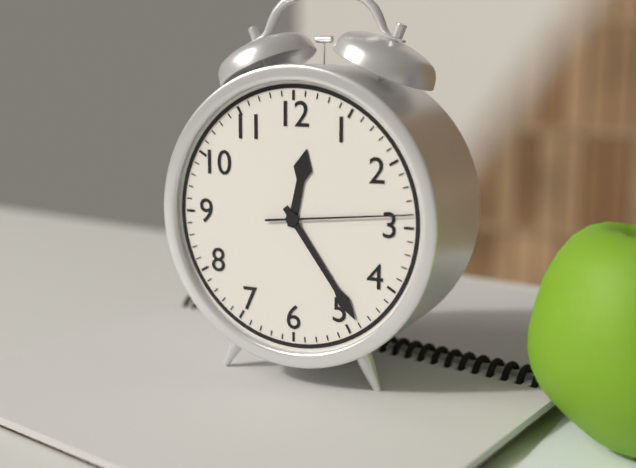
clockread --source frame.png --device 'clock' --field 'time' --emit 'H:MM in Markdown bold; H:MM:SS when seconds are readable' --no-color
**12:24:14**
